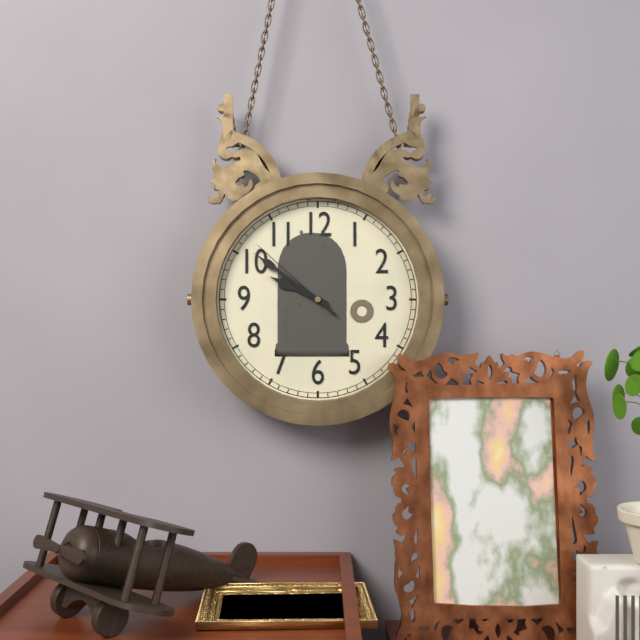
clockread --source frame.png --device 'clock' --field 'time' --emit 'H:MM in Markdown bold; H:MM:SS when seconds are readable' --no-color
**9:51:52**
